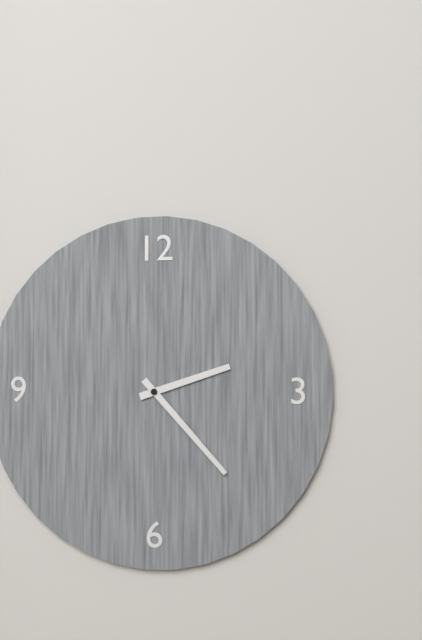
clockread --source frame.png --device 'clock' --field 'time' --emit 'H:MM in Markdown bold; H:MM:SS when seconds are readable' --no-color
**2:23**
